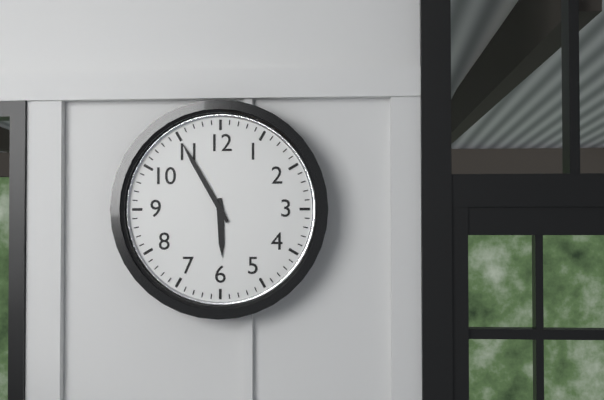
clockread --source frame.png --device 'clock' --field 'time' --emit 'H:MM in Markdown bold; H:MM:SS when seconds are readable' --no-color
**5:55**
